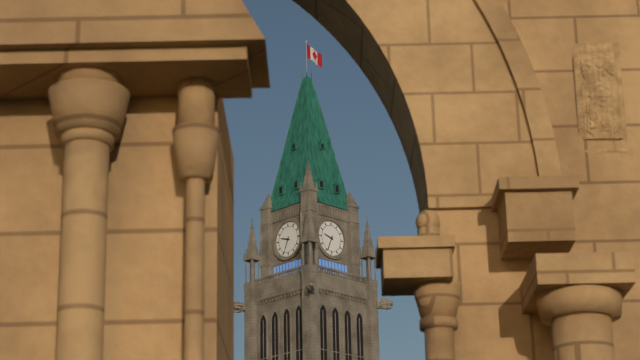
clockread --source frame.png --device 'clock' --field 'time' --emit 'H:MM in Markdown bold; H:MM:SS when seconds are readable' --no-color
**9:34**
